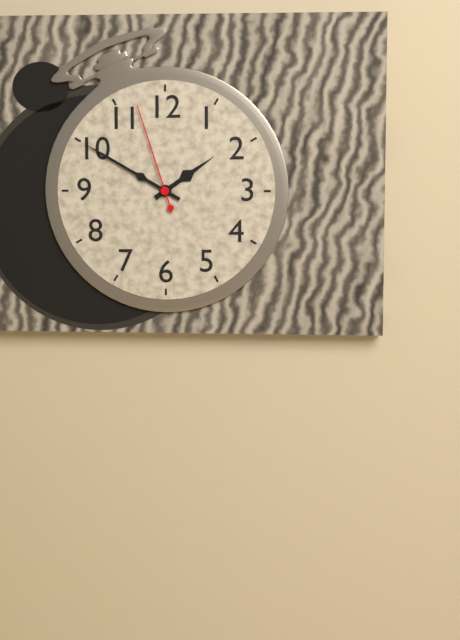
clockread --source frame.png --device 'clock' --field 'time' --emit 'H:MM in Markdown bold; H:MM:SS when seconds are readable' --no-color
**1:50:57**
